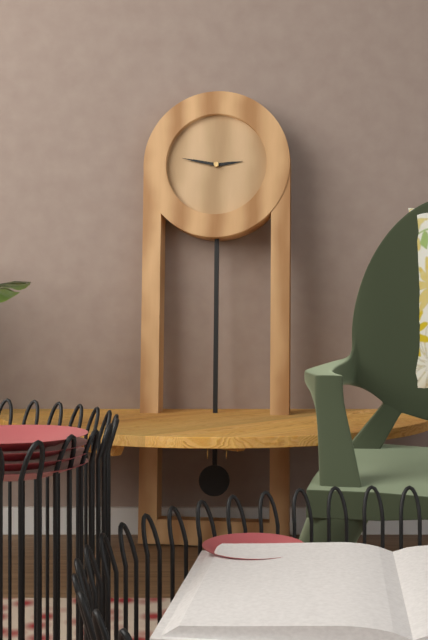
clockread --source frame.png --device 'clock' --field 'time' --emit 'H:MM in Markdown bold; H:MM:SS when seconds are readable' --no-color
**2:47**
